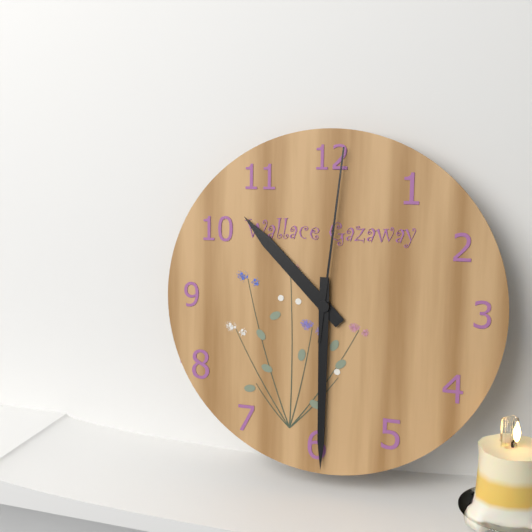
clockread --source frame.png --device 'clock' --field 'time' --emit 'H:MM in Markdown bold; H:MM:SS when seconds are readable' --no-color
**10:30:01**
